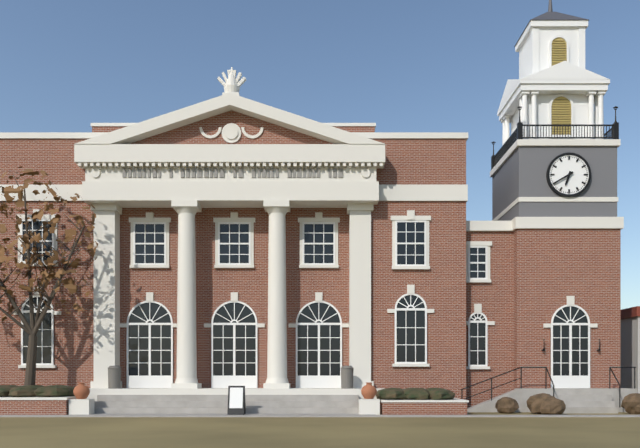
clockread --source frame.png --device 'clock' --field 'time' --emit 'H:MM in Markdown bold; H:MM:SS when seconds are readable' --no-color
**6:40**
